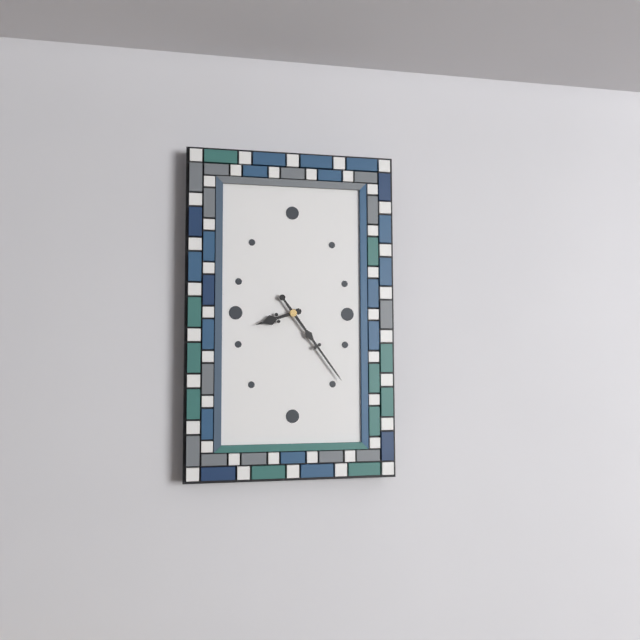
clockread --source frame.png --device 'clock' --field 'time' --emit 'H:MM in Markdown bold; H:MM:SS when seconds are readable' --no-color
**8:24**
